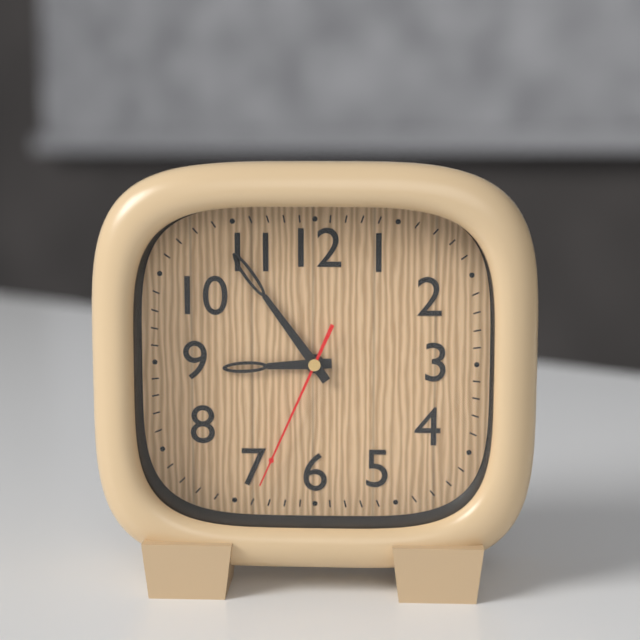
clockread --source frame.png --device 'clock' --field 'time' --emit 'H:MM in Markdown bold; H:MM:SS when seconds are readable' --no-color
**8:54:34**
